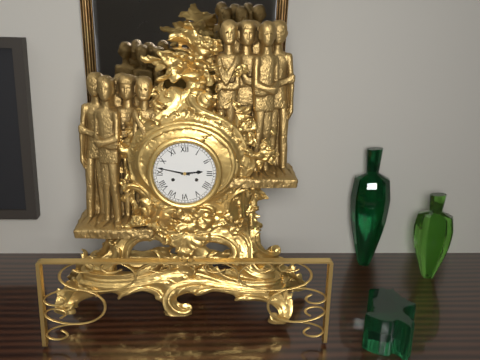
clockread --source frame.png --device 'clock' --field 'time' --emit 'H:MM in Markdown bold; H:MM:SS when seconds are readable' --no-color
**2:47**
